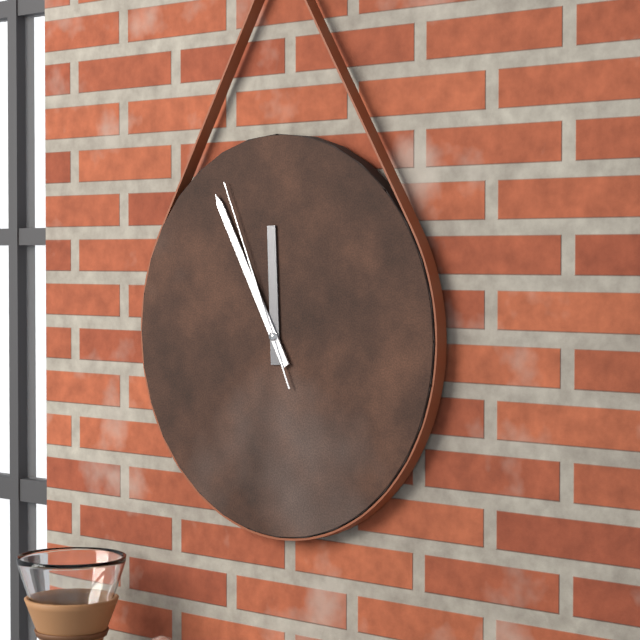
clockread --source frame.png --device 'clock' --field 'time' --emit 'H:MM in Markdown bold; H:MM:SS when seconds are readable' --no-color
**11:55:56**
